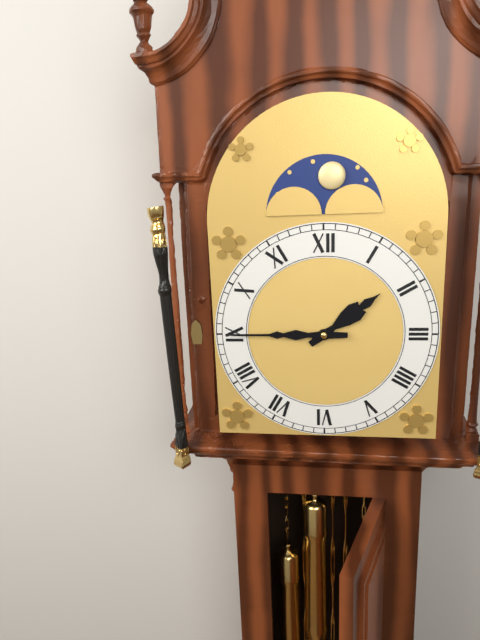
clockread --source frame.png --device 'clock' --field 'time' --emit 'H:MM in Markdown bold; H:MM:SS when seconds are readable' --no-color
**1:45**
